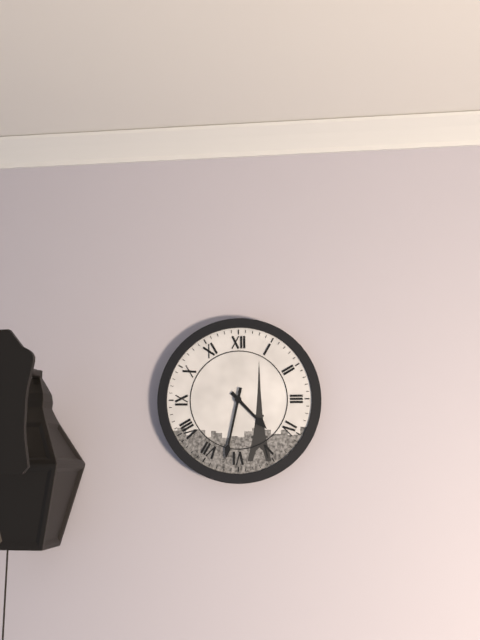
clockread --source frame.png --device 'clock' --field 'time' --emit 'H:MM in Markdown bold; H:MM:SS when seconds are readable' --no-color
**4:32**
